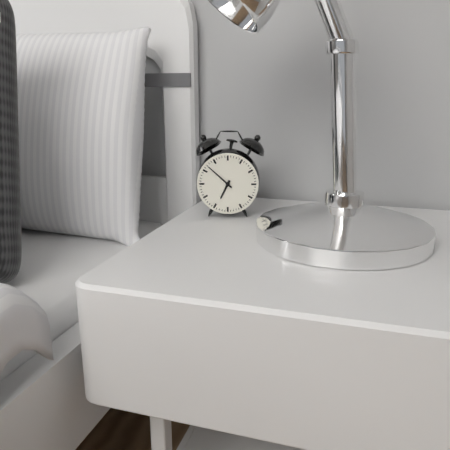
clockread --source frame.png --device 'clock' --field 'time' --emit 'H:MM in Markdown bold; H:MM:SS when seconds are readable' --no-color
**6:52**
